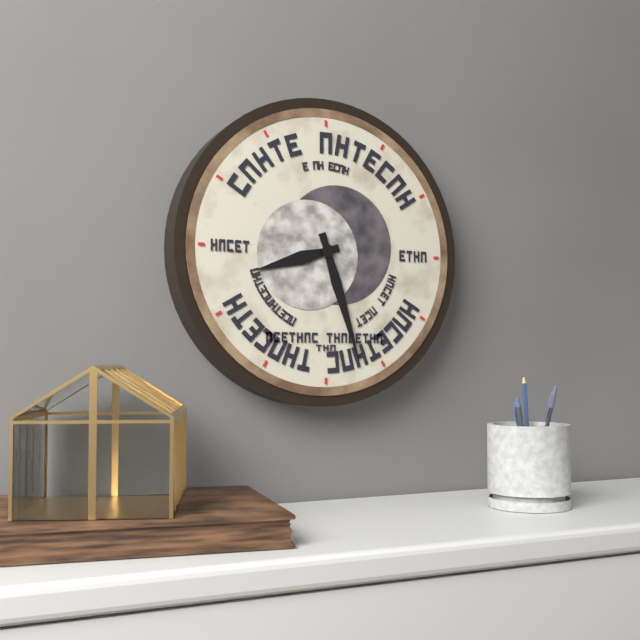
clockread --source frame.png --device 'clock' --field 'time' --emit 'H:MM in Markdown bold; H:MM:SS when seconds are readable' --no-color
**8:27**
